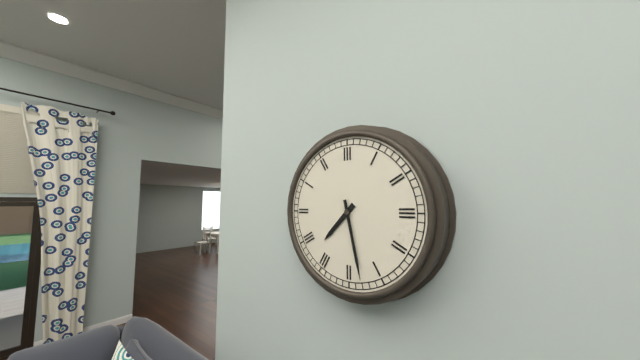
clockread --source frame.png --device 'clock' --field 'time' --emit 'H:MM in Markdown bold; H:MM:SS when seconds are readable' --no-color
**7:28**
